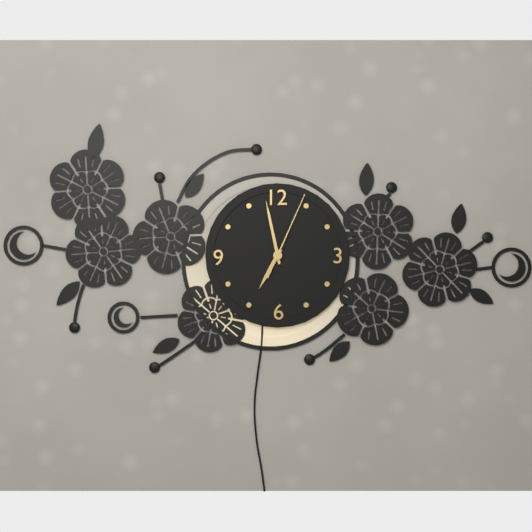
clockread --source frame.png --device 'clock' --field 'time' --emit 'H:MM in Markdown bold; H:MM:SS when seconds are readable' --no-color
**6:58:04**
